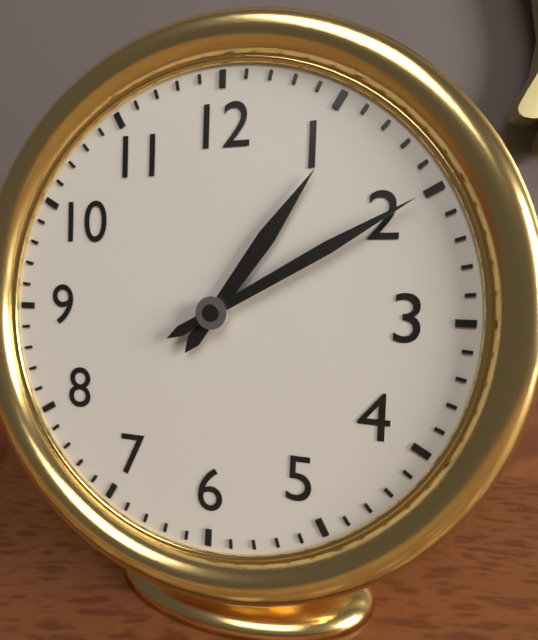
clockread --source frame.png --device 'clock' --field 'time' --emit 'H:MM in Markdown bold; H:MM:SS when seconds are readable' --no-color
**1:10**
